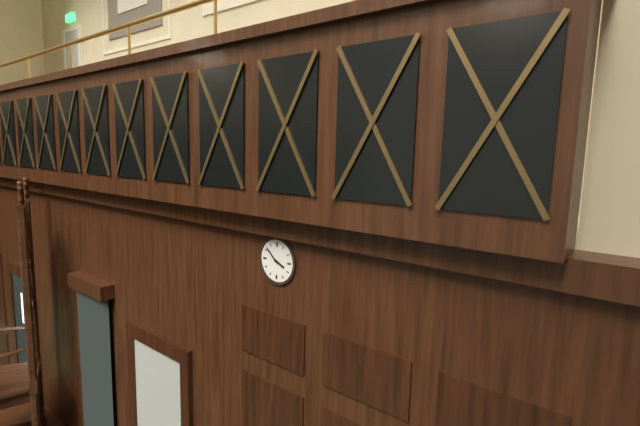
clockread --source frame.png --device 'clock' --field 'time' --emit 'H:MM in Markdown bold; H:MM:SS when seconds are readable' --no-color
**3:52**
